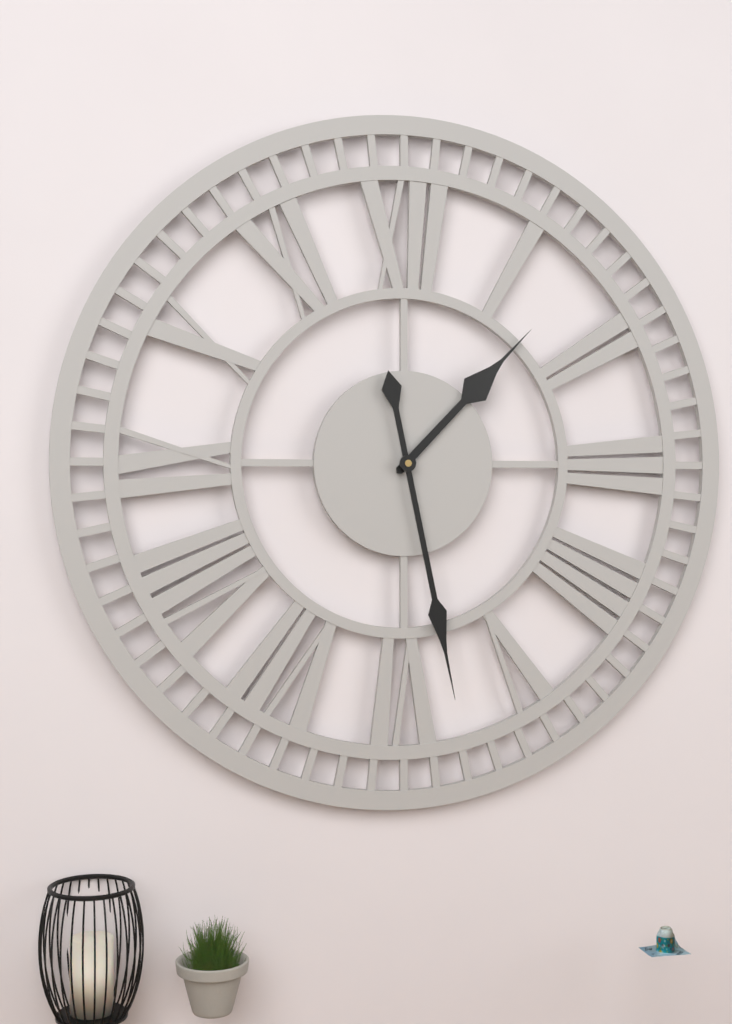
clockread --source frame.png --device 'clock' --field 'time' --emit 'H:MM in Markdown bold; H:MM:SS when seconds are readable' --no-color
**1:28**
